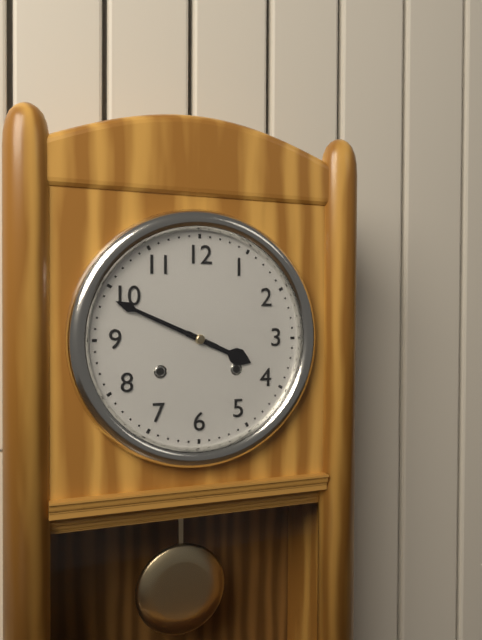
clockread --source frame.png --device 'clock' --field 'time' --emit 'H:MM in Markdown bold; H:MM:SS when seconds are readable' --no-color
**3:49**
